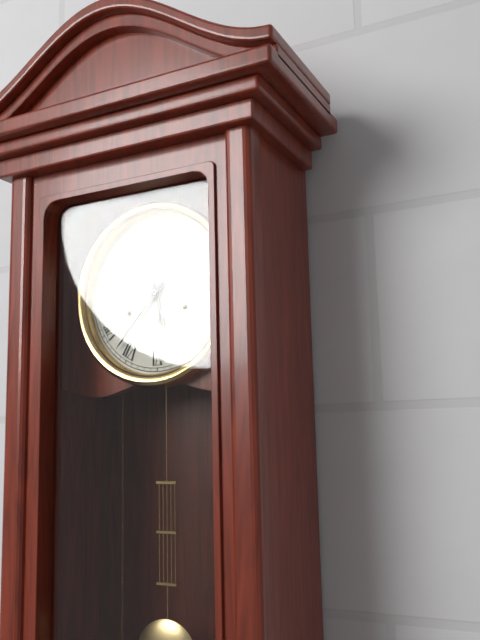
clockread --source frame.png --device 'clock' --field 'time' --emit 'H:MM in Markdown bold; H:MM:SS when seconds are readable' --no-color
**5:37**
